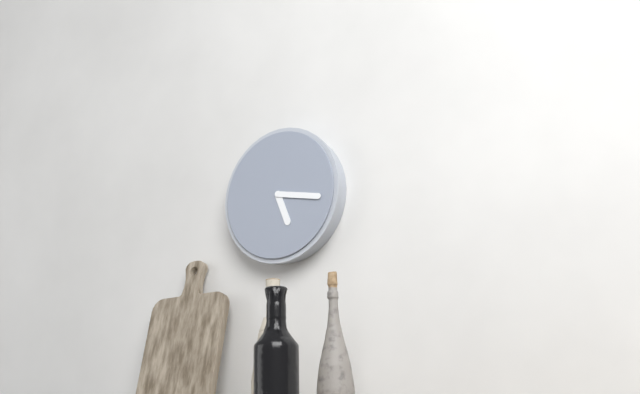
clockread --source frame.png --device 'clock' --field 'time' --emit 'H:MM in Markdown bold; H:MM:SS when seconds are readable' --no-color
**5:17**
